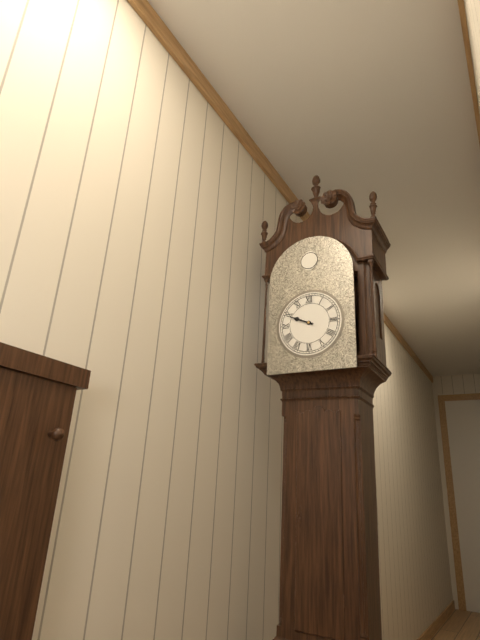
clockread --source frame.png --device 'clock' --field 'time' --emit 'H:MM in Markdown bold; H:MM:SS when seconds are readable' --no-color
**9:49**
